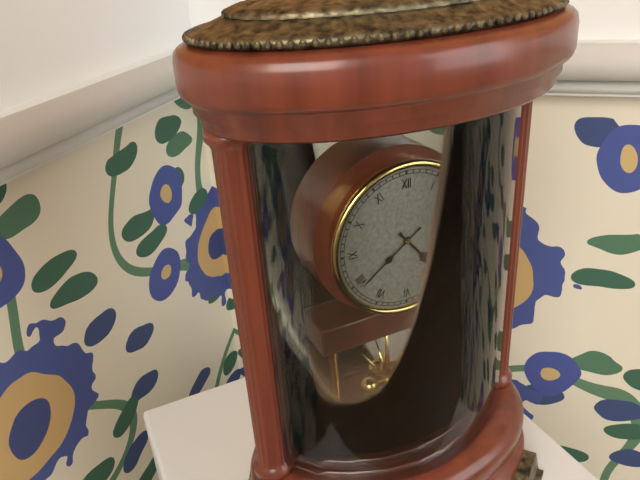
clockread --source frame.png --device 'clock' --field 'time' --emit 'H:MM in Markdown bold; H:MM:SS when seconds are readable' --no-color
**4:39**
